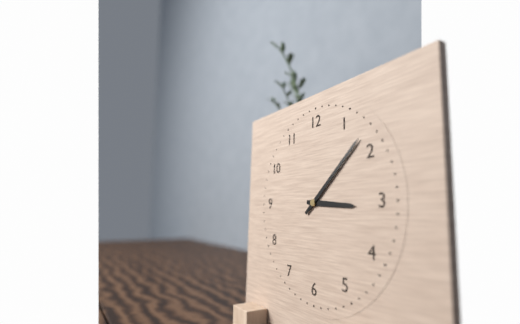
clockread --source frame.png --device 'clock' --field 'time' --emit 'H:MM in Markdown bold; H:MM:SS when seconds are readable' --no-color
**3:08**
